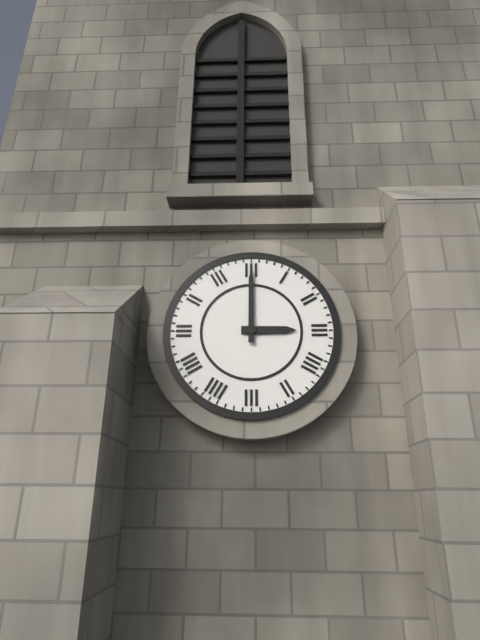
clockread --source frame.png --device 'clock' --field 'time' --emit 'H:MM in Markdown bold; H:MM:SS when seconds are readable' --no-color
**3:00**
